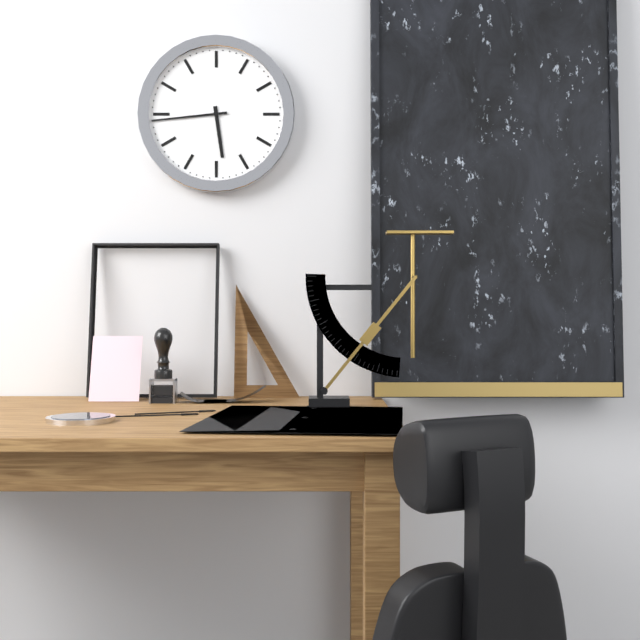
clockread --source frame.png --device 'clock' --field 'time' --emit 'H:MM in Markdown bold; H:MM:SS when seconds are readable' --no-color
**5:44**
